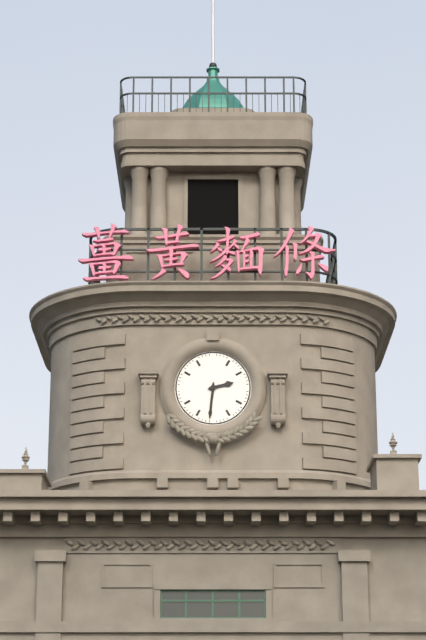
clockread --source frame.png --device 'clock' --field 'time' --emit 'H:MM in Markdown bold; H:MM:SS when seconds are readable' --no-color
**2:31**
